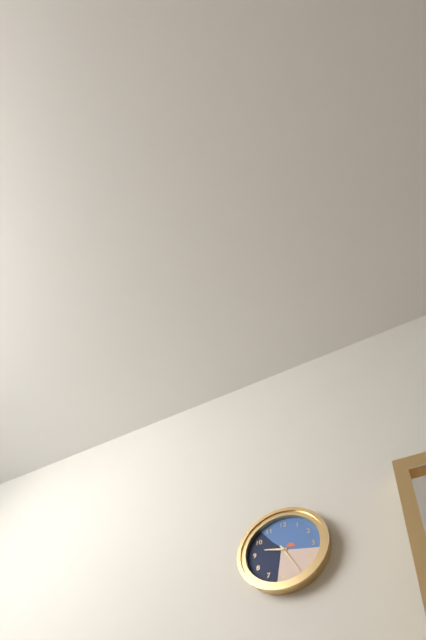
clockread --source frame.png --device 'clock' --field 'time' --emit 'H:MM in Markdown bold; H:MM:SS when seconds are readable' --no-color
**9:25**
